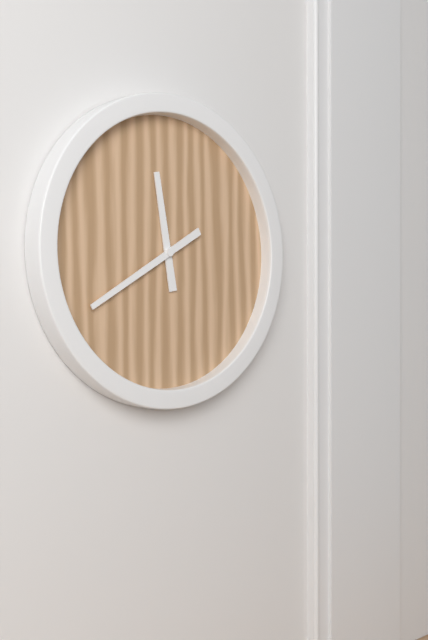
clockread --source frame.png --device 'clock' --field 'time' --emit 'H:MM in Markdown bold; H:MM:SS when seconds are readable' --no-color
**11:40**
